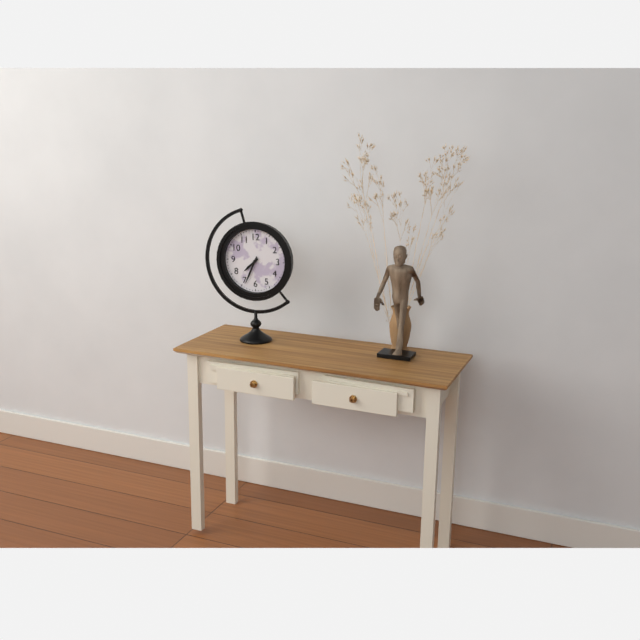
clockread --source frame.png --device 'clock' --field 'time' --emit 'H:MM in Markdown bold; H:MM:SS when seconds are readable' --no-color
**7:34**
